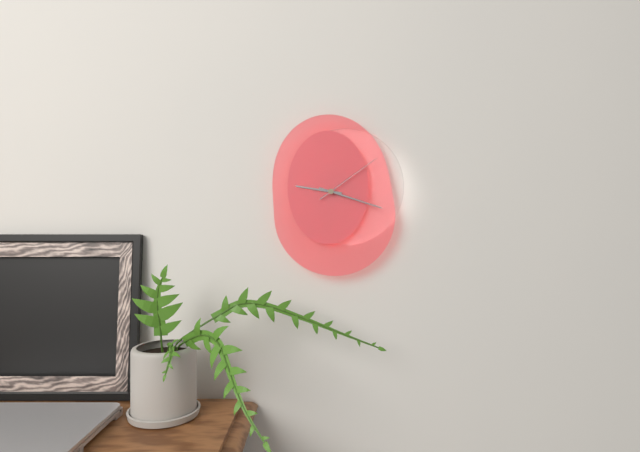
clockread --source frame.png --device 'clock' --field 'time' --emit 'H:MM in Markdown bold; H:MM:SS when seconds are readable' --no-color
**9:18:09**
